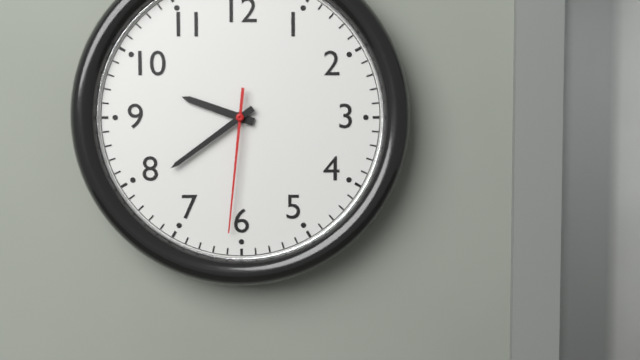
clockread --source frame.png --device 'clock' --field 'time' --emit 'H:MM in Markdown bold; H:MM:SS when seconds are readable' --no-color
**9:39:31**
